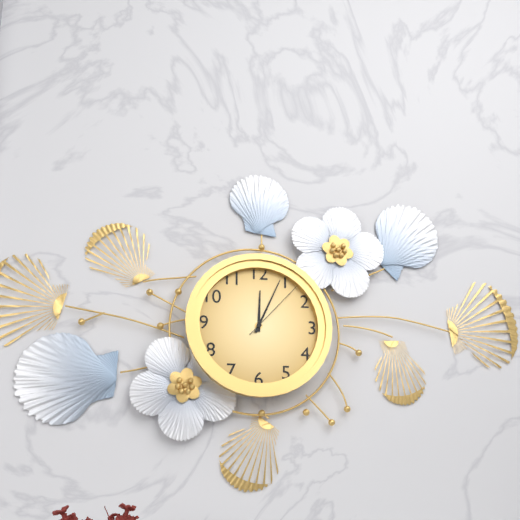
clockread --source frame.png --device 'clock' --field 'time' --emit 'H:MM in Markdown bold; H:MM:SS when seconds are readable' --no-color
**12:04:07**
